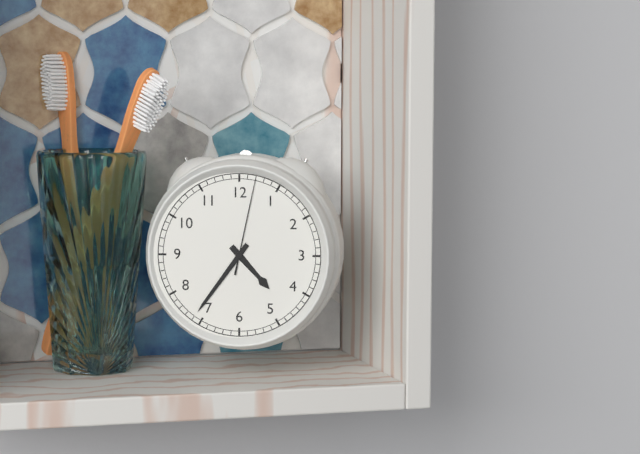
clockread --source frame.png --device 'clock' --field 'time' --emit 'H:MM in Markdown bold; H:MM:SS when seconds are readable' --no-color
**4:36:02**
